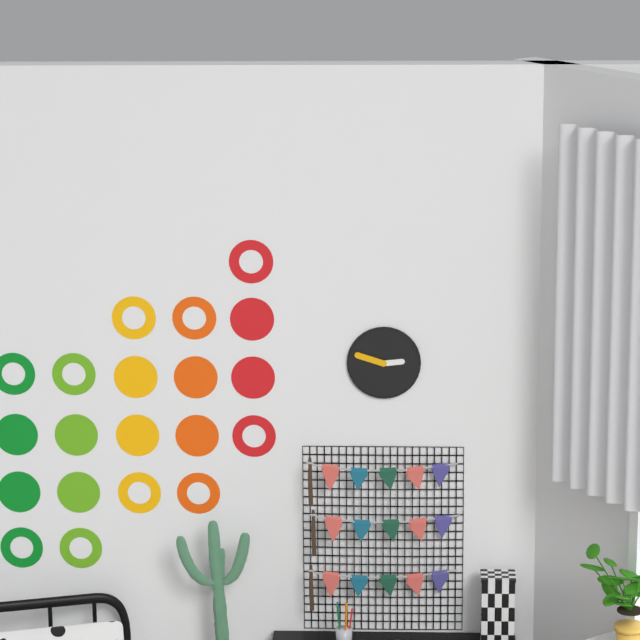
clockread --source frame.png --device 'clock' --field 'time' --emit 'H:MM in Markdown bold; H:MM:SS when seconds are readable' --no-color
**2:48**
